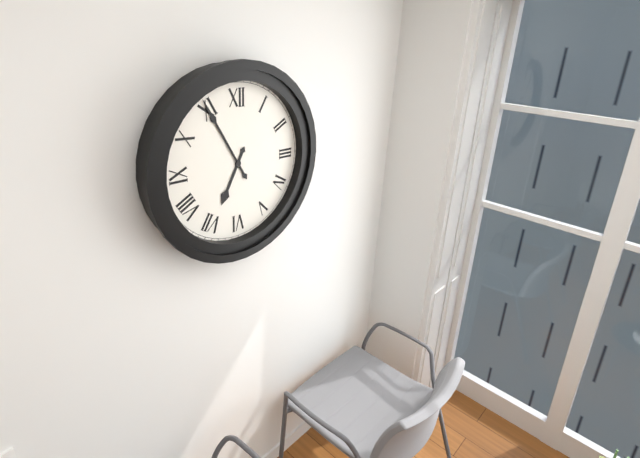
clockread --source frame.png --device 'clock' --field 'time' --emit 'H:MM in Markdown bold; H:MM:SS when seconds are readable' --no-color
**6:55**
